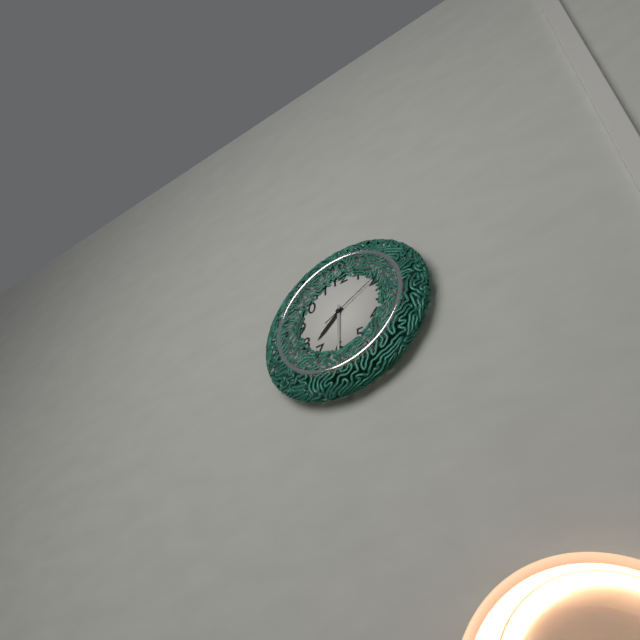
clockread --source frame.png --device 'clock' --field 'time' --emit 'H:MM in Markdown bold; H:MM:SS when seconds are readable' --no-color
**7:30:10**
